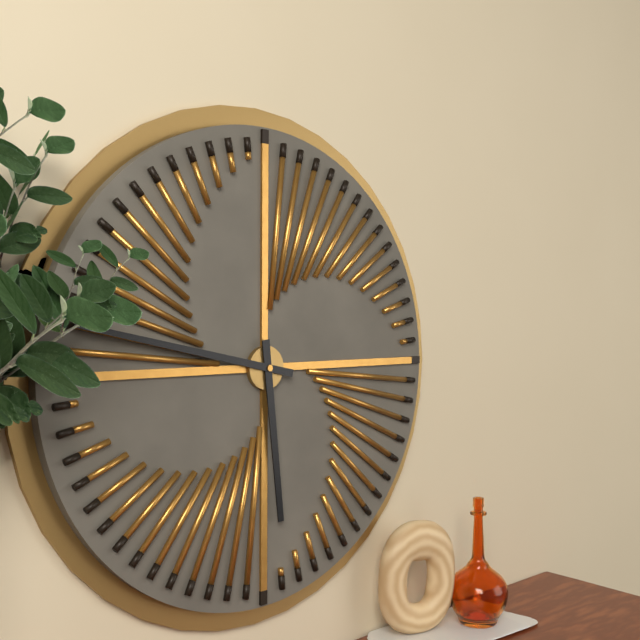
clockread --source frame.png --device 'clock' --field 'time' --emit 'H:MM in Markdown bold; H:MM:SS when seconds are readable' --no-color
**5:47**
